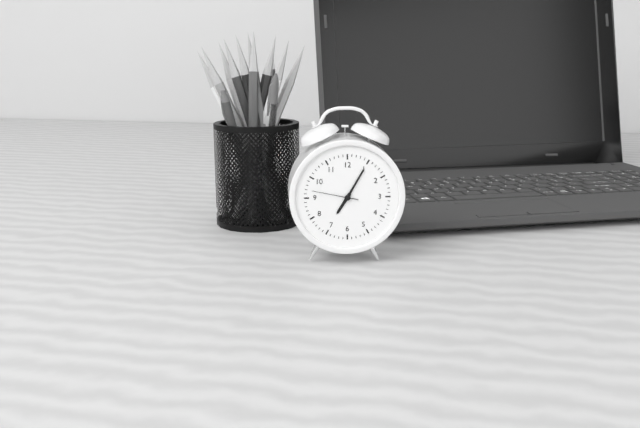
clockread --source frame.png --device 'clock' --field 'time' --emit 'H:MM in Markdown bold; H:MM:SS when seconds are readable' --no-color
**7:05**
